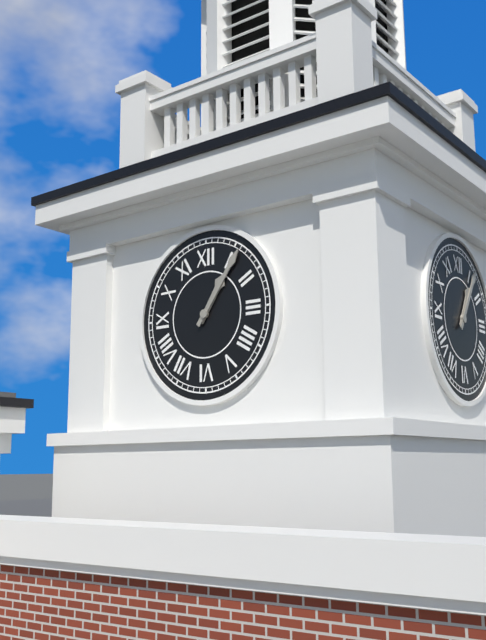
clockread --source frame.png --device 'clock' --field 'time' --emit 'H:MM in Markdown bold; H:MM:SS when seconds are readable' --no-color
**1:06**
